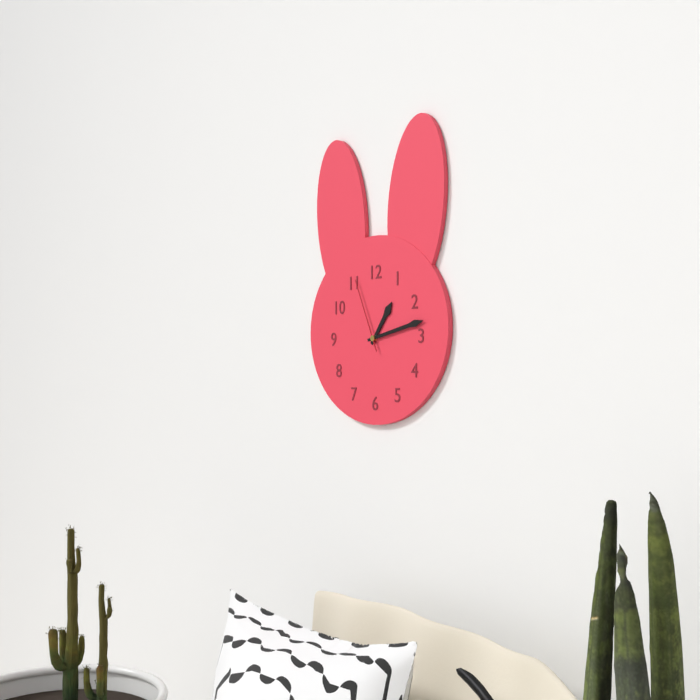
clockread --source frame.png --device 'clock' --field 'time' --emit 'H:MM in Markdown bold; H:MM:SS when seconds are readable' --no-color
**1:13:56**
